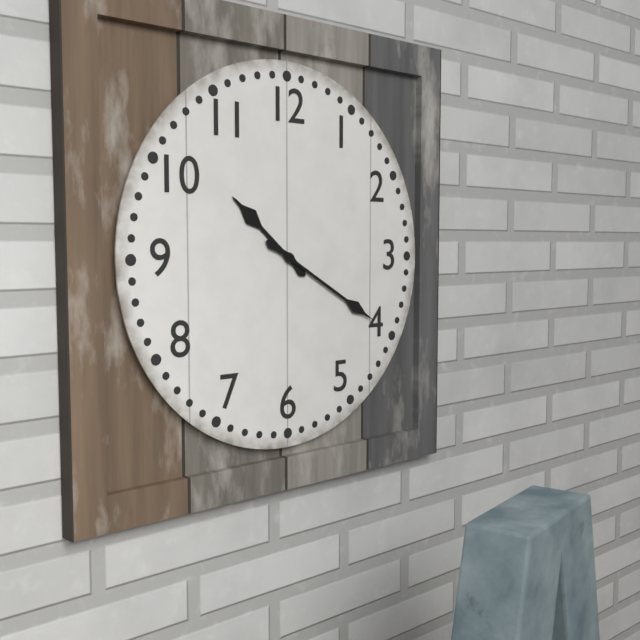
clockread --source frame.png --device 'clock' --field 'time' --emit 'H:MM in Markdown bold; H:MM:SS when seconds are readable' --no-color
**10:20**
